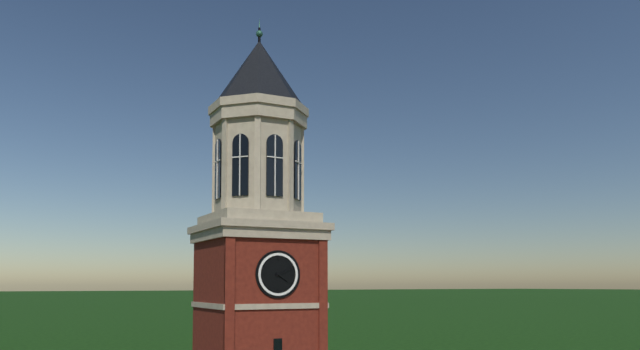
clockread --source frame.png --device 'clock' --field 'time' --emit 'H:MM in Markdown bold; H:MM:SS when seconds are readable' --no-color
**4:11**
